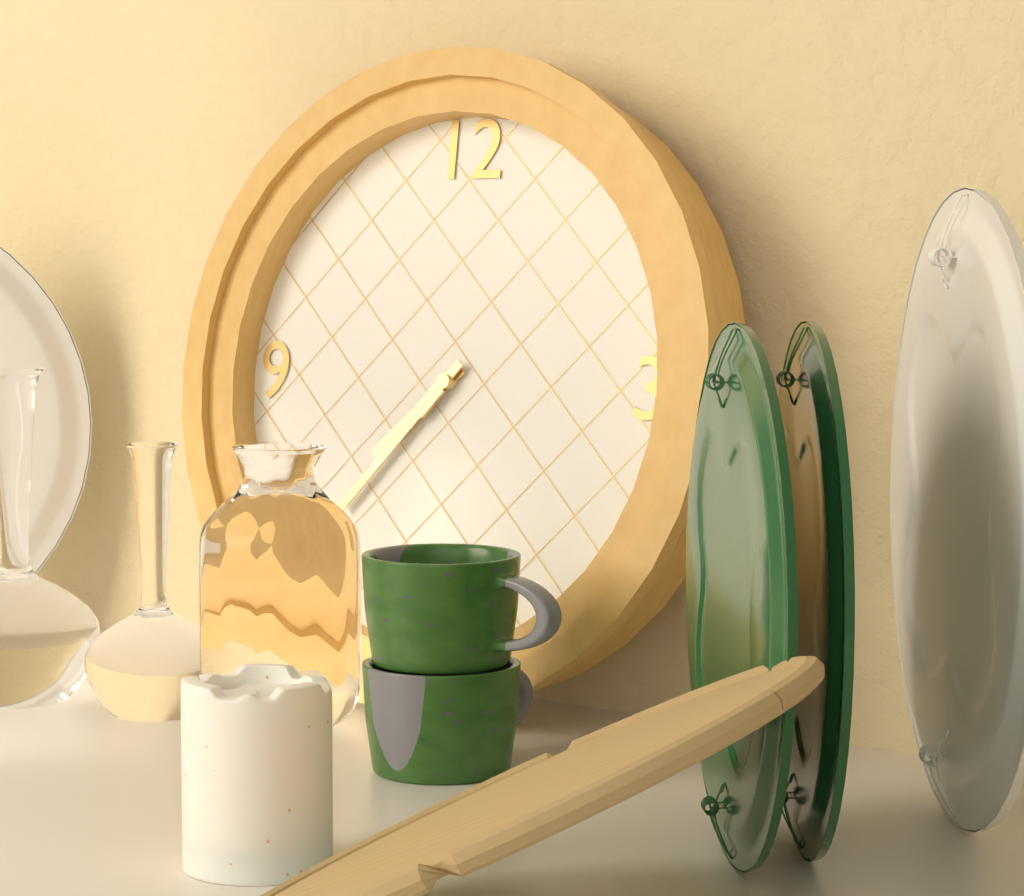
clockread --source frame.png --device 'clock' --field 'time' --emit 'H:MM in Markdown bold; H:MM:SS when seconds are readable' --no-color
**7:37**
